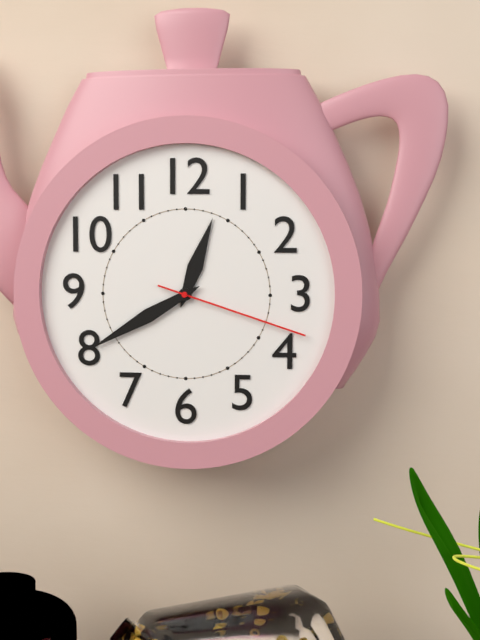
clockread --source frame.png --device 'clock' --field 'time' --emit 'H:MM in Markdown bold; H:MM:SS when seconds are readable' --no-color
**12:40:18**
